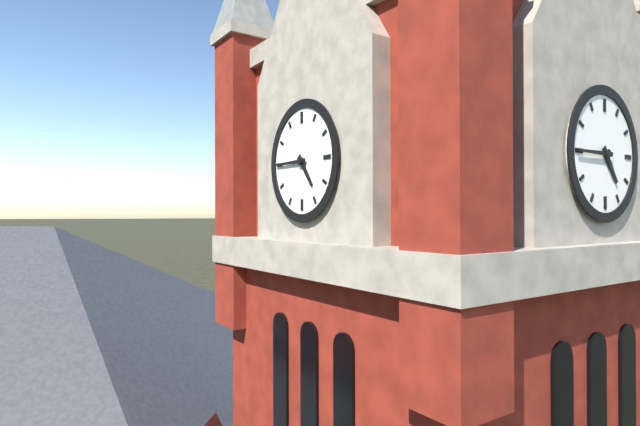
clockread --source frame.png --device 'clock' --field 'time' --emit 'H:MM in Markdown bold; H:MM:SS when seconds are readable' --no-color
**4:45**
